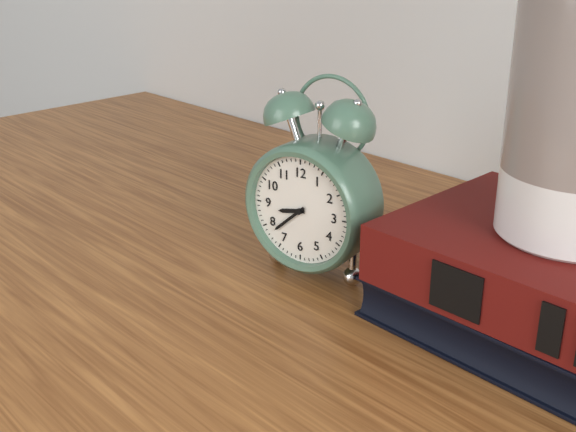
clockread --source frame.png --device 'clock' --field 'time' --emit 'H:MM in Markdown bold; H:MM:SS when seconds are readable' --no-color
**8:38**
